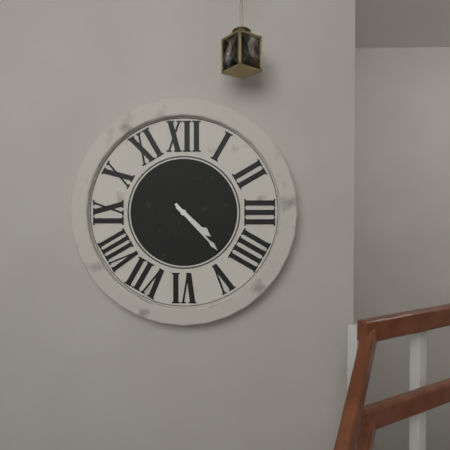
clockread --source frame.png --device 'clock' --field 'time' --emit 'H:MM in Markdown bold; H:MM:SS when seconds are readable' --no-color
**4:23**
